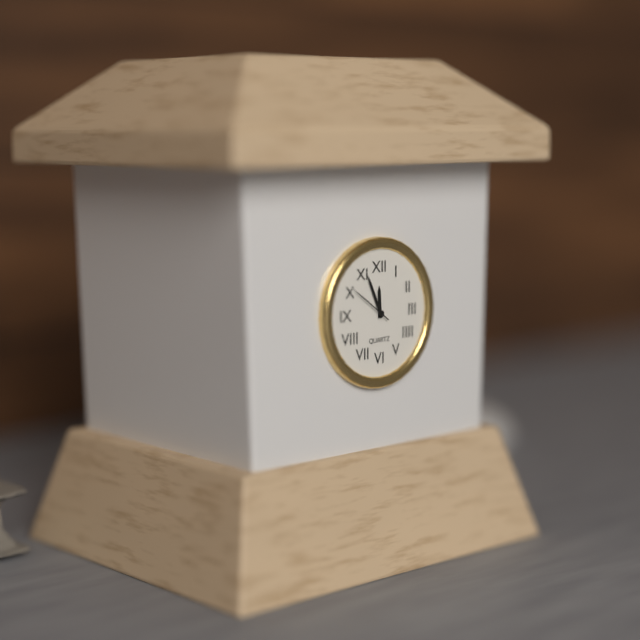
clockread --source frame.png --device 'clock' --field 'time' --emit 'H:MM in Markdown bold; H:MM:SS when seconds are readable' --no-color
**11:56**
